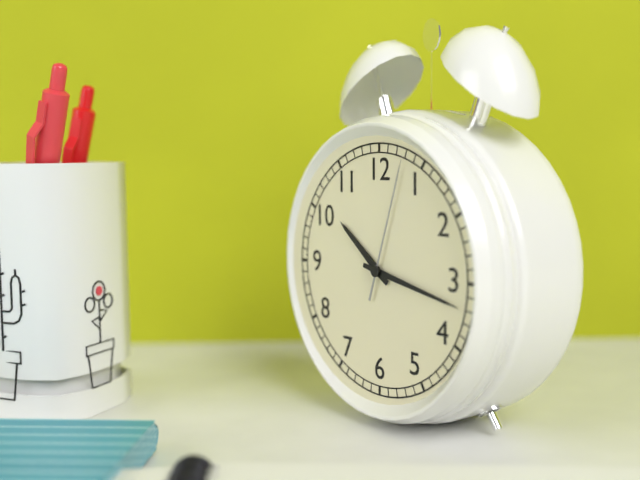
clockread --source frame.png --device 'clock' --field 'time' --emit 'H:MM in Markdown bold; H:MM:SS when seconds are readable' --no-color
**10:17:03**
